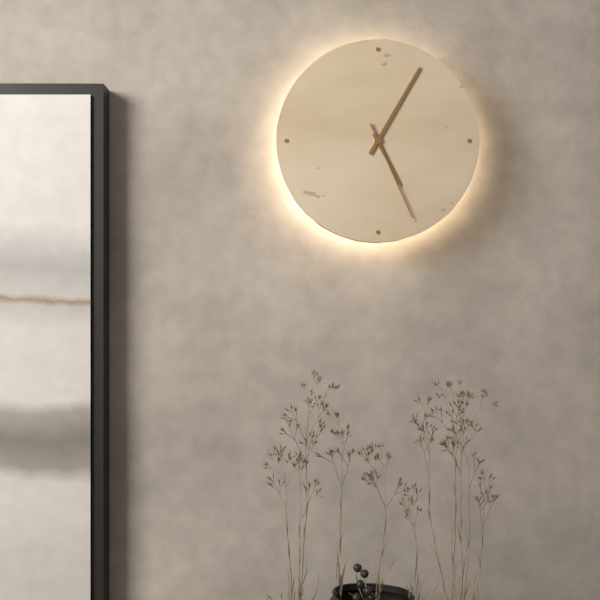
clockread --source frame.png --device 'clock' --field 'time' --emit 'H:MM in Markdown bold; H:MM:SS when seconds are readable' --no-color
**5:05:26**
